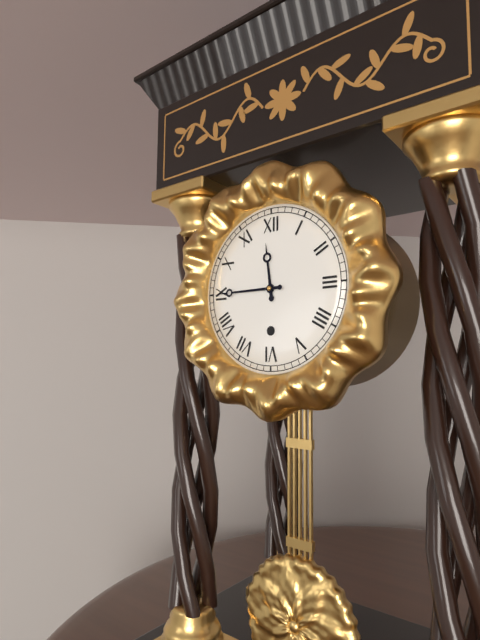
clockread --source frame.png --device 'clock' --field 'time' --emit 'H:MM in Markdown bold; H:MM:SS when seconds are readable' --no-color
**11:45**
